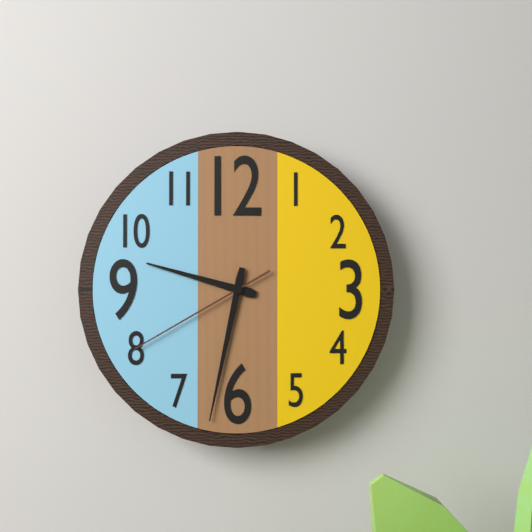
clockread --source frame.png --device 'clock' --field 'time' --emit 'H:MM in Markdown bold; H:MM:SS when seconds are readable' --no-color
**9:32:40**
